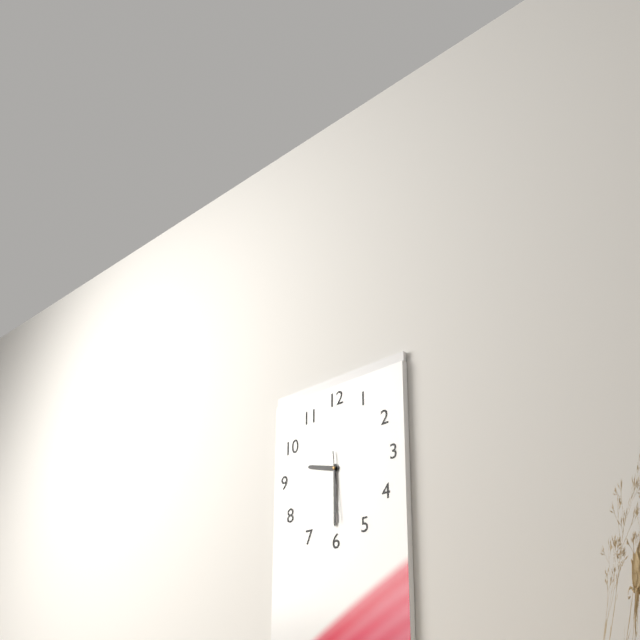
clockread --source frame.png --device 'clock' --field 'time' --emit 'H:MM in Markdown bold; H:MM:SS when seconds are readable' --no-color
**9:30:29**
